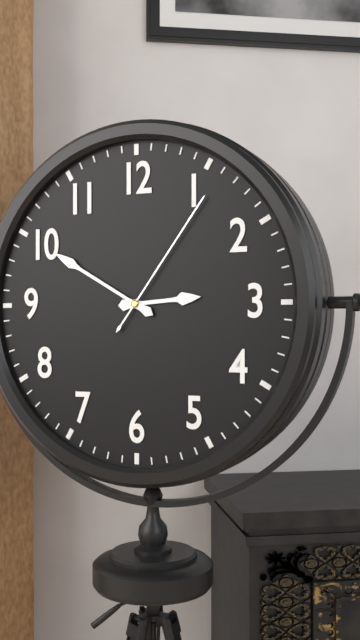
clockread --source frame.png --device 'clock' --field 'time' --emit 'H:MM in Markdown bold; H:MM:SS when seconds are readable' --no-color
**2:50:06**
